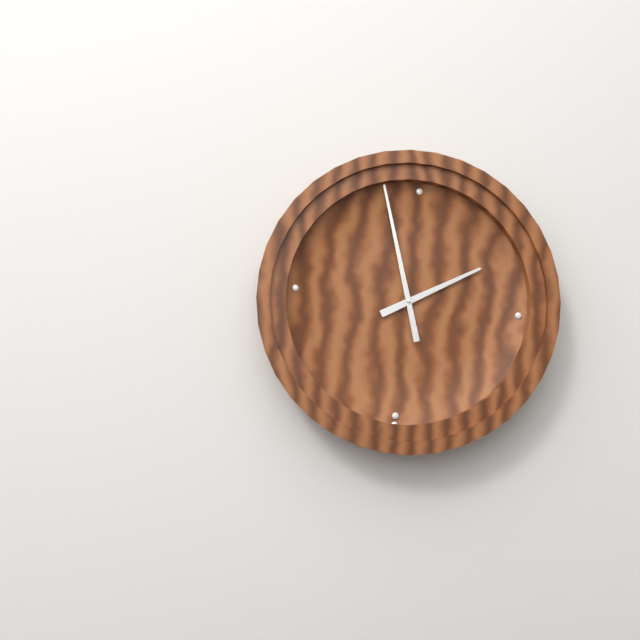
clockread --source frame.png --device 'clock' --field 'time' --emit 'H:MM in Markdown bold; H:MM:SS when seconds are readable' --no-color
**1:57**
